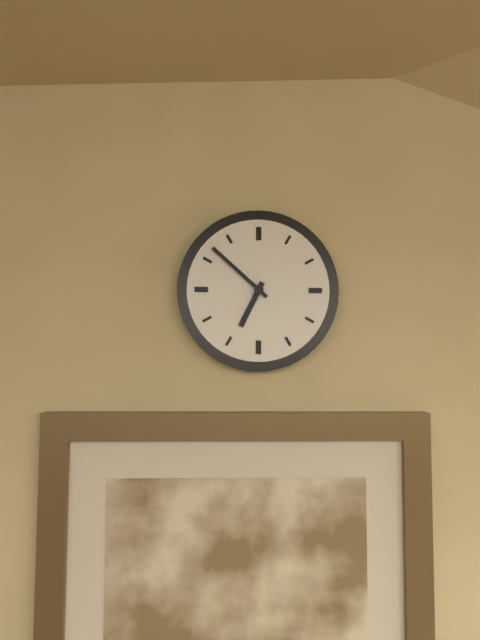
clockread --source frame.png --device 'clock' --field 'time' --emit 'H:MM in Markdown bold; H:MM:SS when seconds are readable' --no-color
**6:52**
